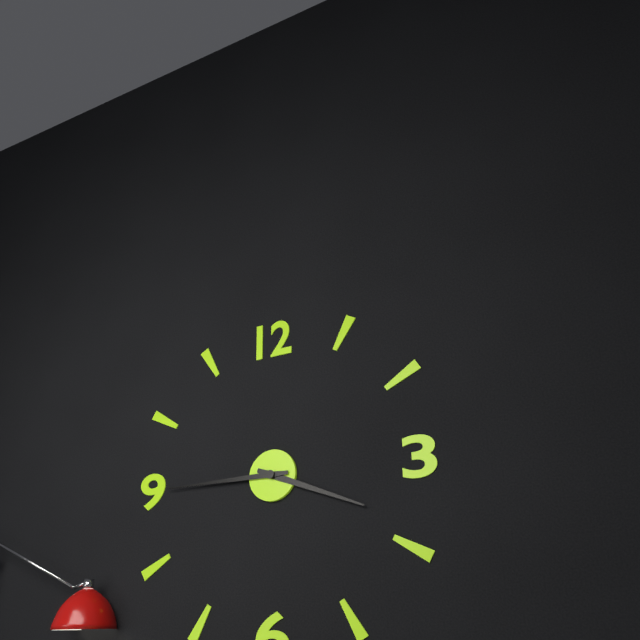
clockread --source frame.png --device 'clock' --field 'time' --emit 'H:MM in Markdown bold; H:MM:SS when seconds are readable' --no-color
**3:45**
